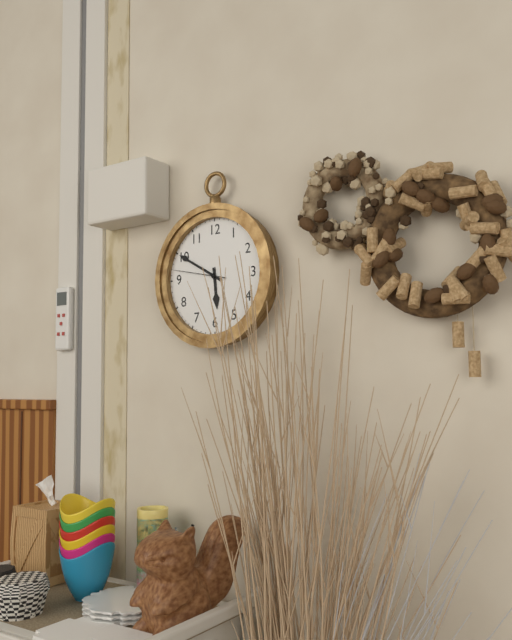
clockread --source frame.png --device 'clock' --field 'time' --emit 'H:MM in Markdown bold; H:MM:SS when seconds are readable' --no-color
**5:50:47**
